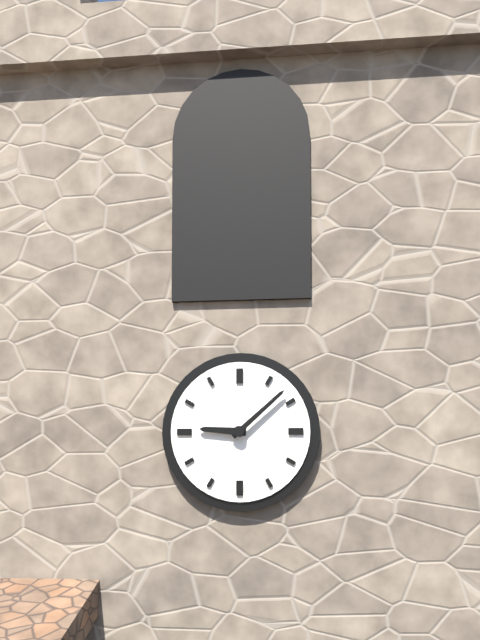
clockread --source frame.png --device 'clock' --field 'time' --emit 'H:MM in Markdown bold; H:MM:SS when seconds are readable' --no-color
**9:08**
